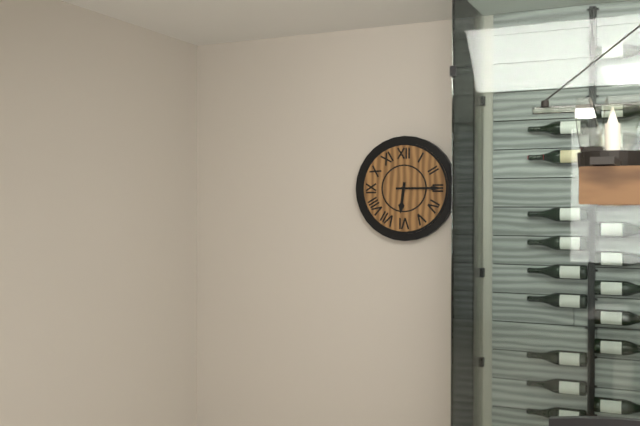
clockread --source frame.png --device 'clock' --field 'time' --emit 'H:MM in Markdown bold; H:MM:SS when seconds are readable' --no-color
**6:15**
